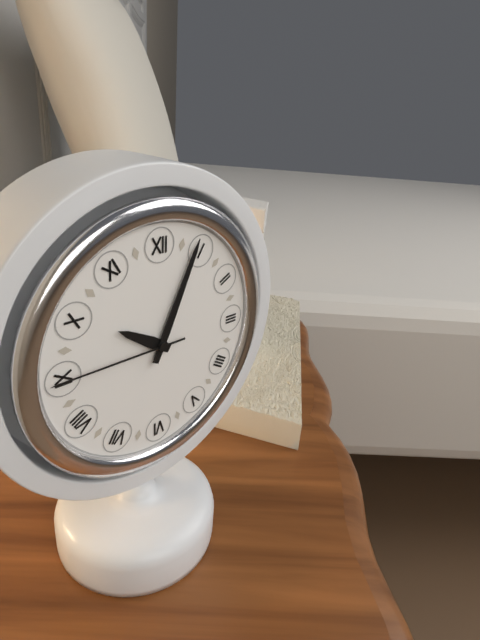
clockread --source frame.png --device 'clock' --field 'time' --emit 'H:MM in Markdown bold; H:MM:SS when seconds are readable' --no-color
**10:04:45**
